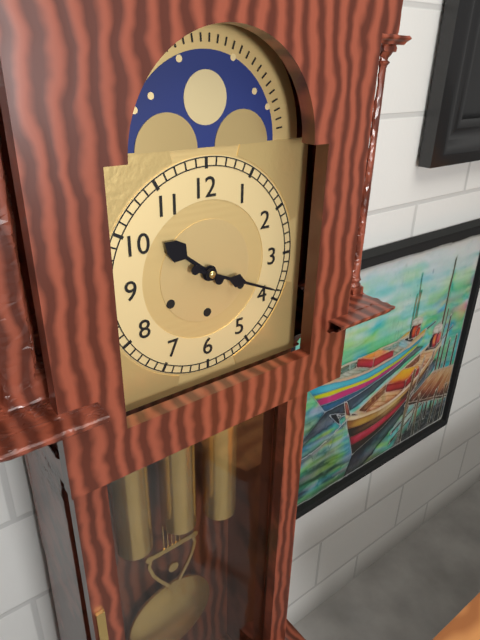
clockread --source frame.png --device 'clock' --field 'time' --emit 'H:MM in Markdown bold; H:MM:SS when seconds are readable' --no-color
**10:19**
